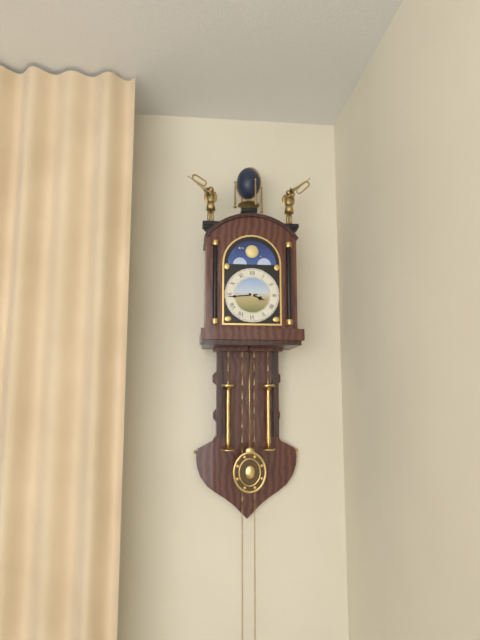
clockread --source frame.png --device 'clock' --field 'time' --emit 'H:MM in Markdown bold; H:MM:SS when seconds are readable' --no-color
**3:44**
